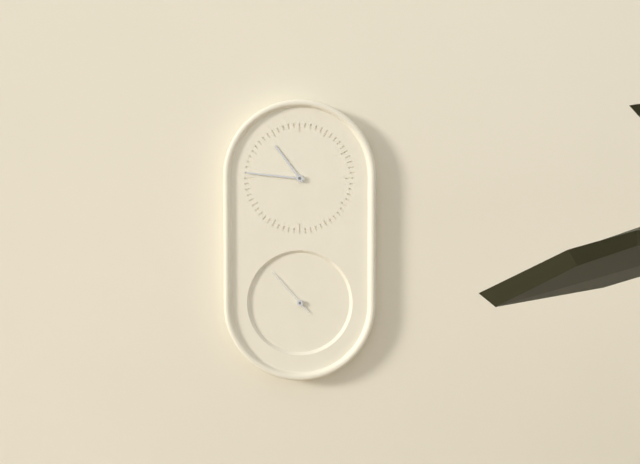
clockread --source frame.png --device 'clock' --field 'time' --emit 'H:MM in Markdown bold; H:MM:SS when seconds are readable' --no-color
**10:46:53**
